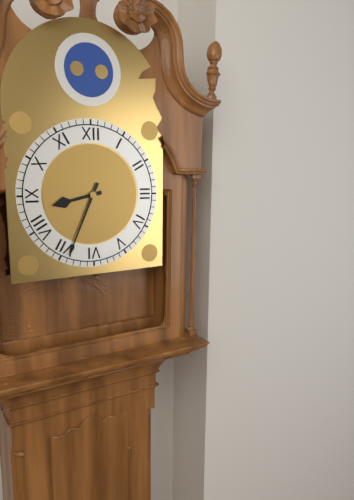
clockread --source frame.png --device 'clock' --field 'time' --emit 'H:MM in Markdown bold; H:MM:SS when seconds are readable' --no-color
**8:34**
